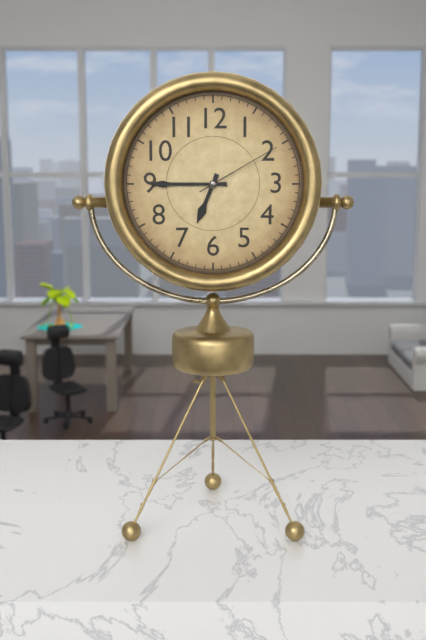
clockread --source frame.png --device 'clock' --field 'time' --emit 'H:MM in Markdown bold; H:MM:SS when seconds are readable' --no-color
**6:45:10**
